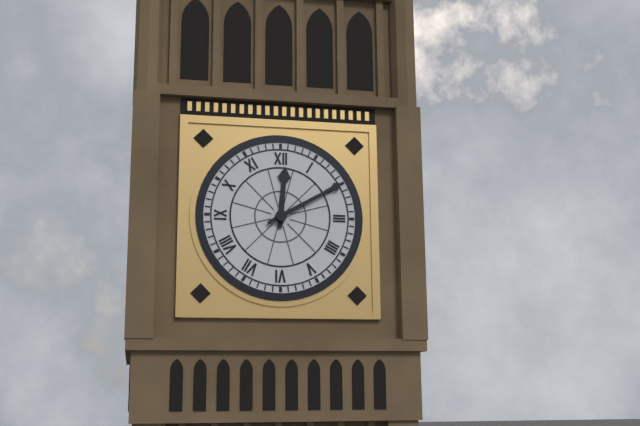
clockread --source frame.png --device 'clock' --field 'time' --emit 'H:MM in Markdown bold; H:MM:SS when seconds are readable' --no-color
**12:10**
